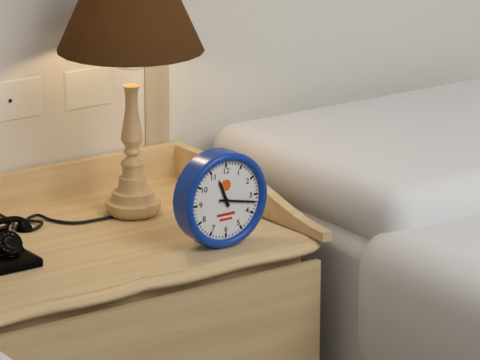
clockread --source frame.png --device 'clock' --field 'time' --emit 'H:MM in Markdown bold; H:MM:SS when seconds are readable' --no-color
**11:17**
